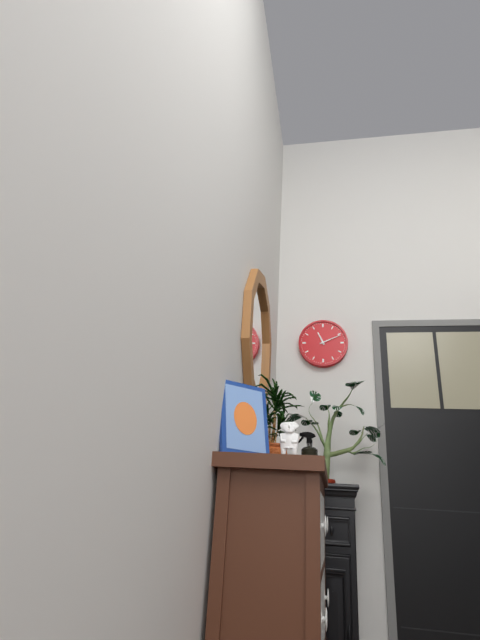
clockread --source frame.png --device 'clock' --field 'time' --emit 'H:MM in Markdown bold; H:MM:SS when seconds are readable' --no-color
**11:11**
